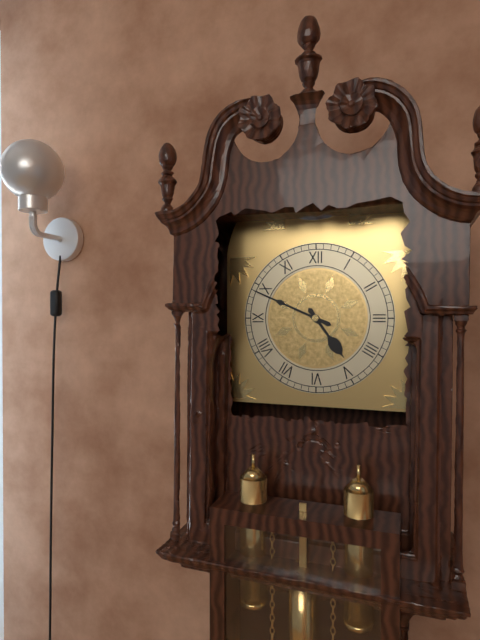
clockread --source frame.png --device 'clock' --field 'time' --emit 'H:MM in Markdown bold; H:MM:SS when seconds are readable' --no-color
**4:49**
